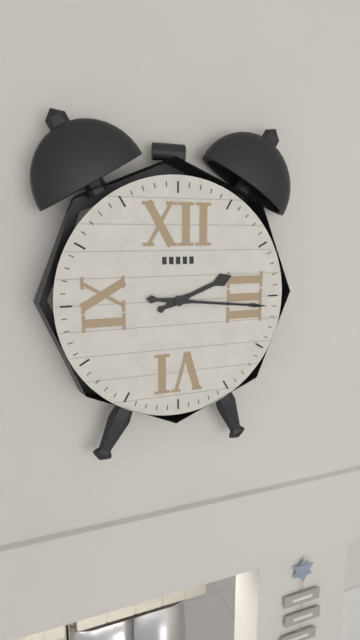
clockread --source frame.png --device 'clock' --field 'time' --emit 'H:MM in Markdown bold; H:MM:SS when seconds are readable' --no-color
**2:16**
